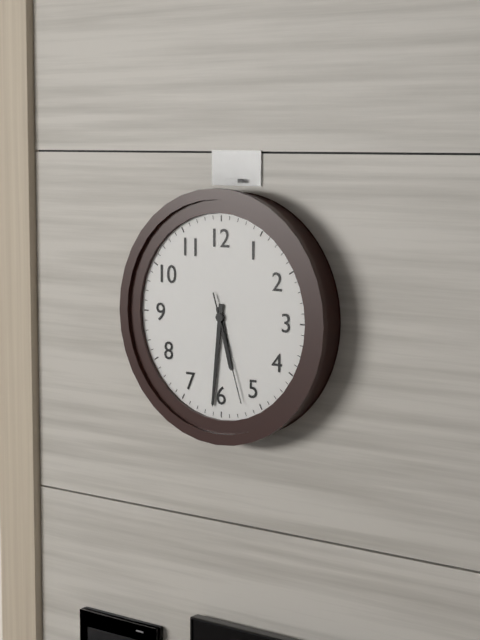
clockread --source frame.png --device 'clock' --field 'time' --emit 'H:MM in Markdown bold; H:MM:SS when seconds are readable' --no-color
**5:31:27**
